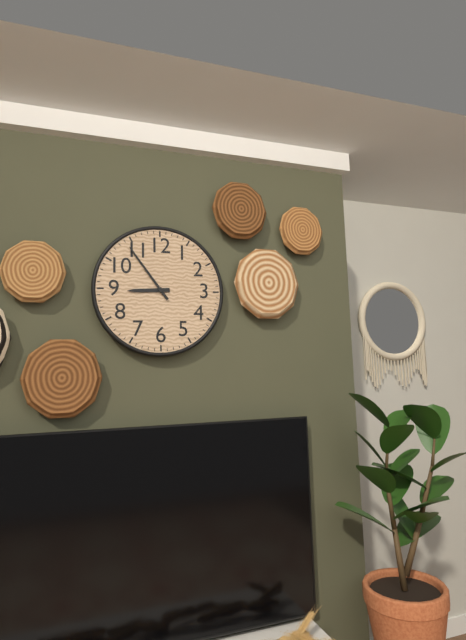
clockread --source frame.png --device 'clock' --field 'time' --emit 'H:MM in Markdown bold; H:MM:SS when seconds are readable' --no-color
**8:54**
